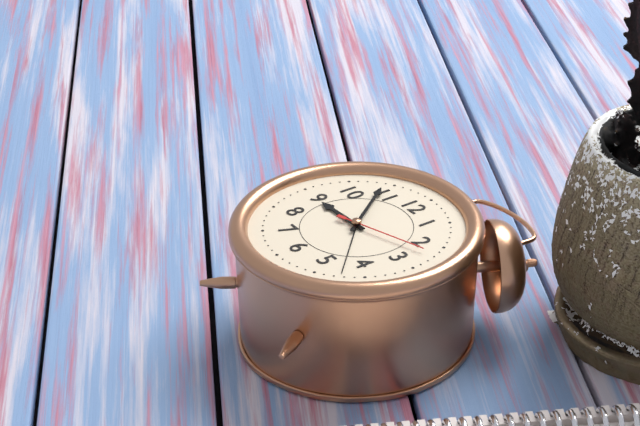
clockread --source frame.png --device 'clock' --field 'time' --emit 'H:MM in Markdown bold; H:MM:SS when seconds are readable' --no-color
**8:54:12**
